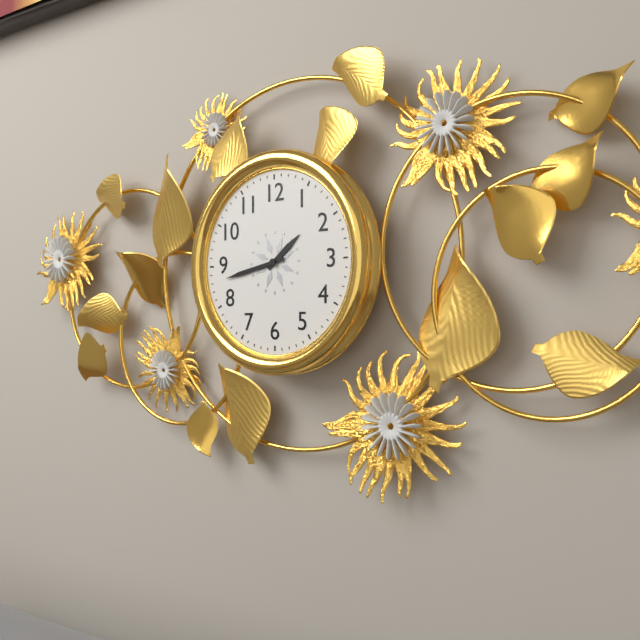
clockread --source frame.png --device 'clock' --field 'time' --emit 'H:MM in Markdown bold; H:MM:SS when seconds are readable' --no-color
**1:43**
